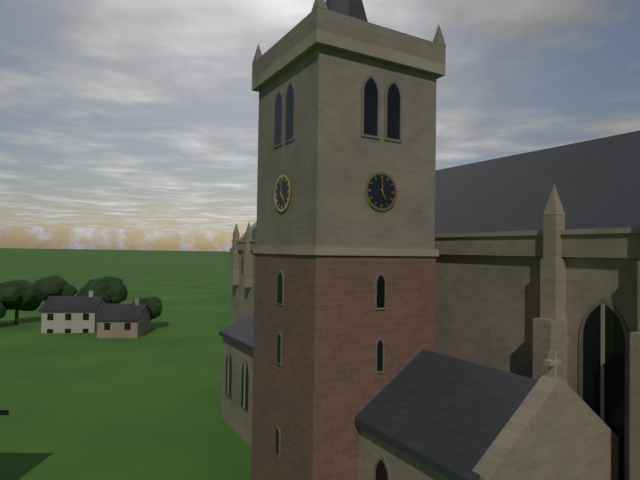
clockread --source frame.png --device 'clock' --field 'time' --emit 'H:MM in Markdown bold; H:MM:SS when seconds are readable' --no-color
**5:00**
